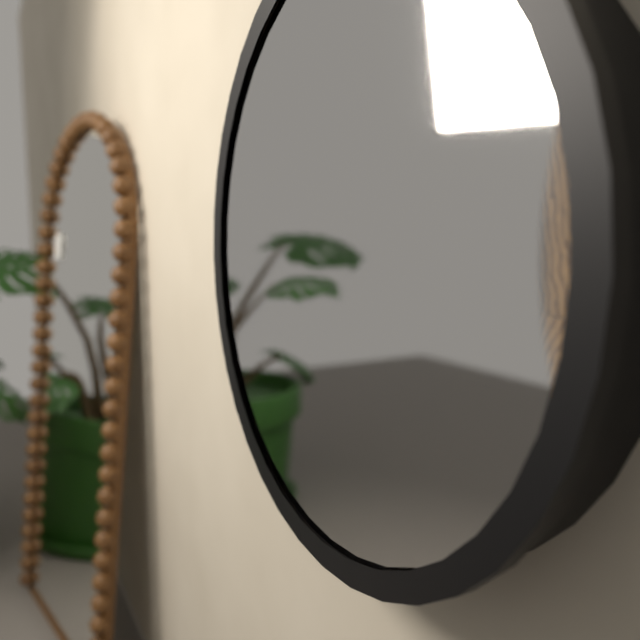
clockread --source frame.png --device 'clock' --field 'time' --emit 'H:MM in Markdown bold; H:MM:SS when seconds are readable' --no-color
**7:49**
